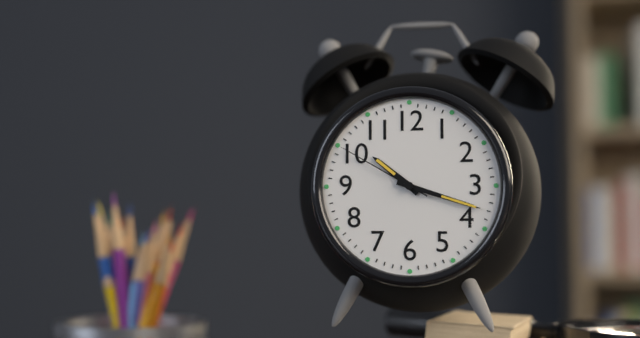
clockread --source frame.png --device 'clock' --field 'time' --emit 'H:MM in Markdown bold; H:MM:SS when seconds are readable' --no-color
**10:18:50**
